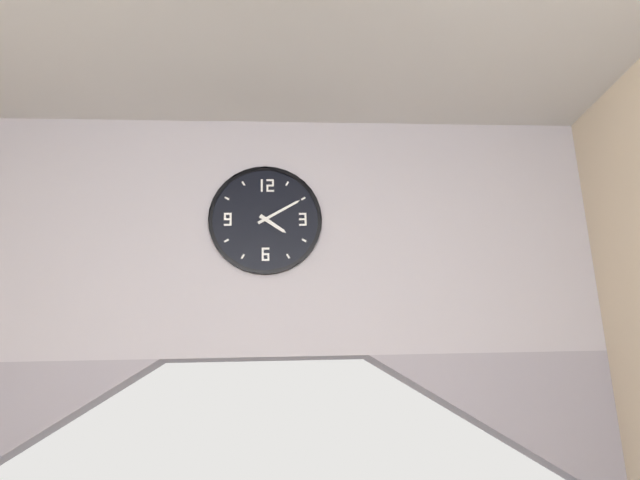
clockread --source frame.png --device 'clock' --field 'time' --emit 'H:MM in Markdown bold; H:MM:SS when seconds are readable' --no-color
**4:10**
